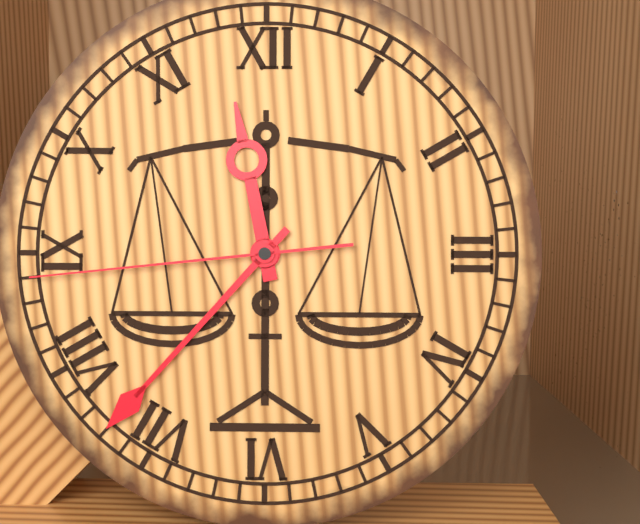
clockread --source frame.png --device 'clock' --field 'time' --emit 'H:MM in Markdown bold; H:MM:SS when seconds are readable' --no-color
**11:37:44**
